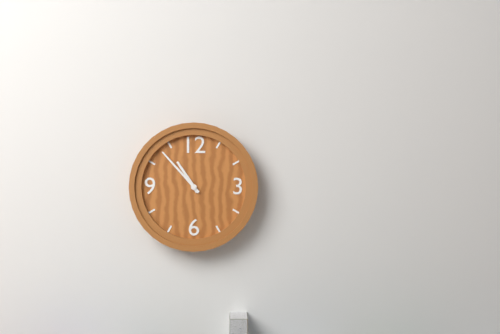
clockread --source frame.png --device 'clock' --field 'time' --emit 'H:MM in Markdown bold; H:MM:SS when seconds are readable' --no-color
**10:53**
